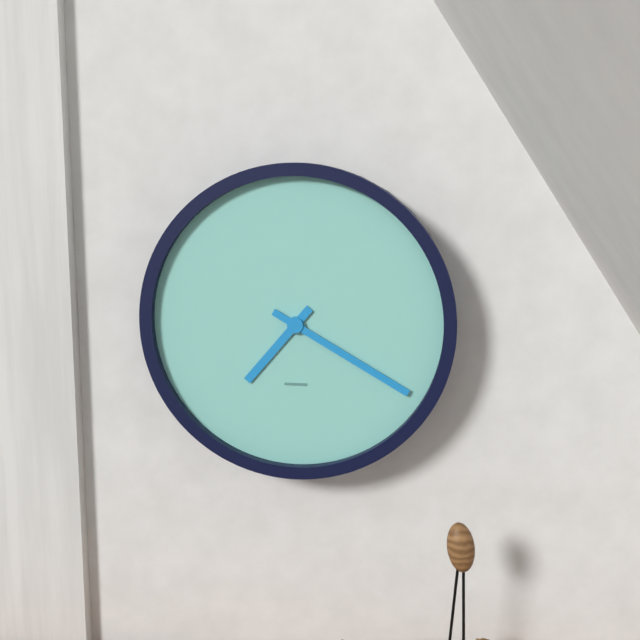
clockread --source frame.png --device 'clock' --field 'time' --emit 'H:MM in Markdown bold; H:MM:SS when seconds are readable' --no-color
**7:20**
